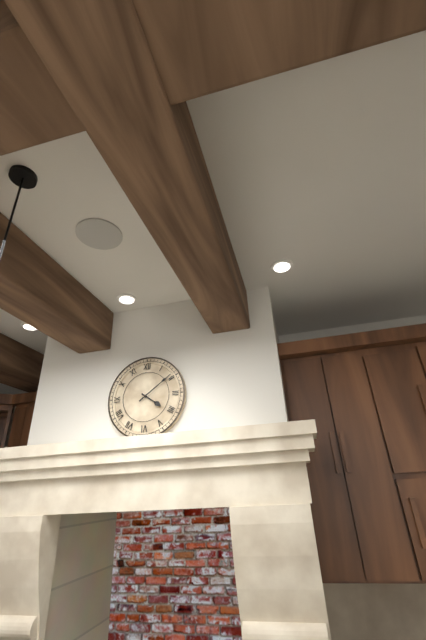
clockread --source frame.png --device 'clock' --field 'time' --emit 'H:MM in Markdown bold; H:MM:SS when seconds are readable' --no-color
**4:09**
